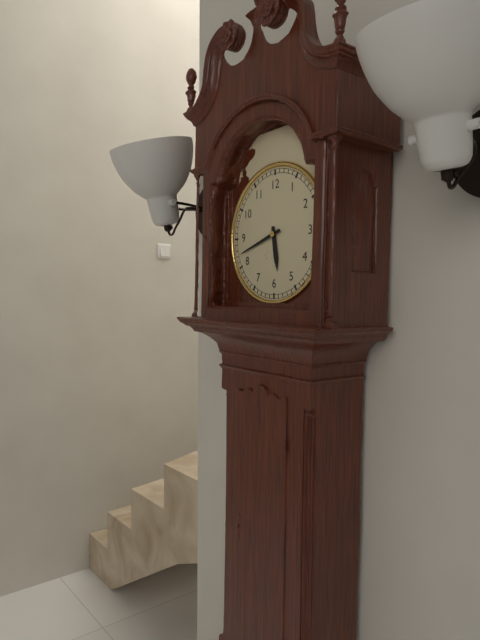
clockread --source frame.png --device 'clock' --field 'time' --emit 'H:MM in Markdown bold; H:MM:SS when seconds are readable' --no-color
**5:42**
